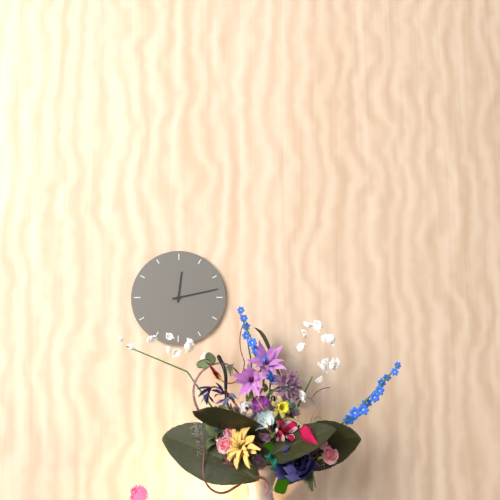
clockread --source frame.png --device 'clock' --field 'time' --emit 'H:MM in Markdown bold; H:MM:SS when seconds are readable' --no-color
**12:13**
